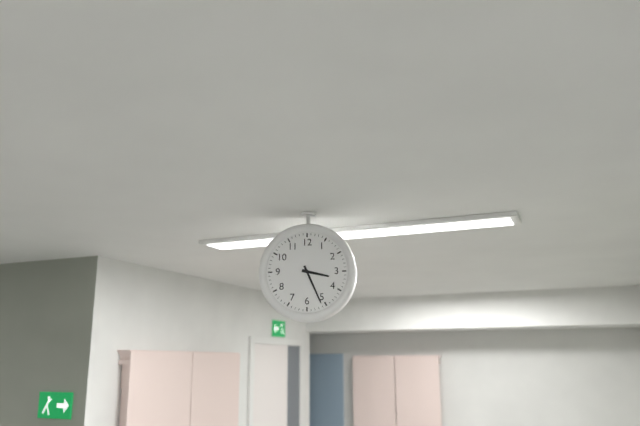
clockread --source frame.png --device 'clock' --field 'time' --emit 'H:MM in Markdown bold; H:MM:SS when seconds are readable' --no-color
**3:26**
